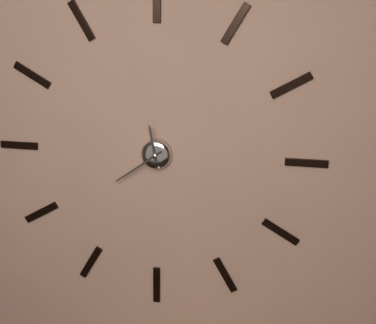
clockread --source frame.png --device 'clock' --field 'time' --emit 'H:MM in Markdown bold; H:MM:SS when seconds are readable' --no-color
**11:39**
